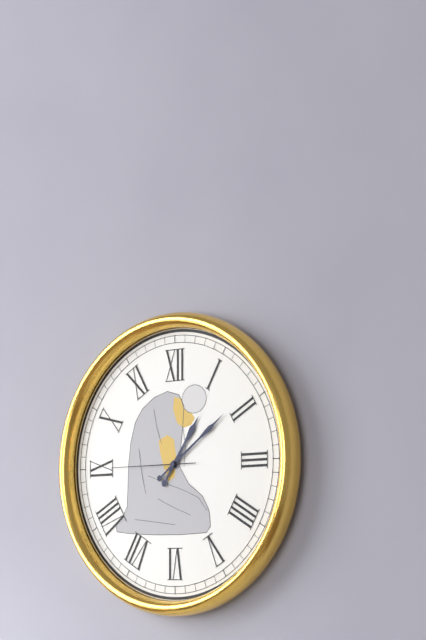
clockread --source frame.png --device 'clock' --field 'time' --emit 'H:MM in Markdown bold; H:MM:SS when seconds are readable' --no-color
**1:09:45**
